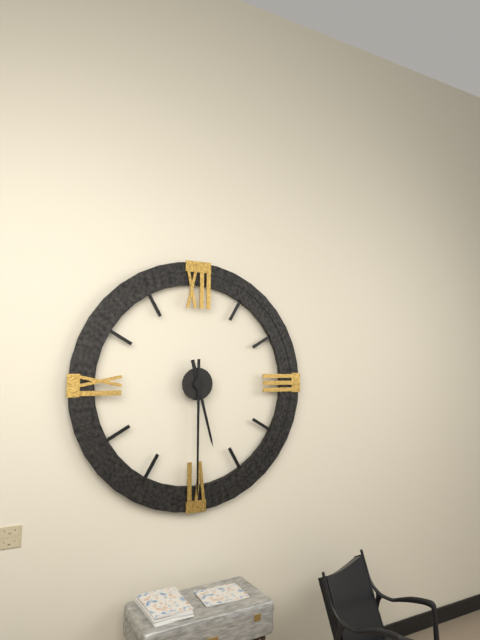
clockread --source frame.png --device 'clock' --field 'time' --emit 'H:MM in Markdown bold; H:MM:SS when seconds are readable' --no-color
**5:30**
